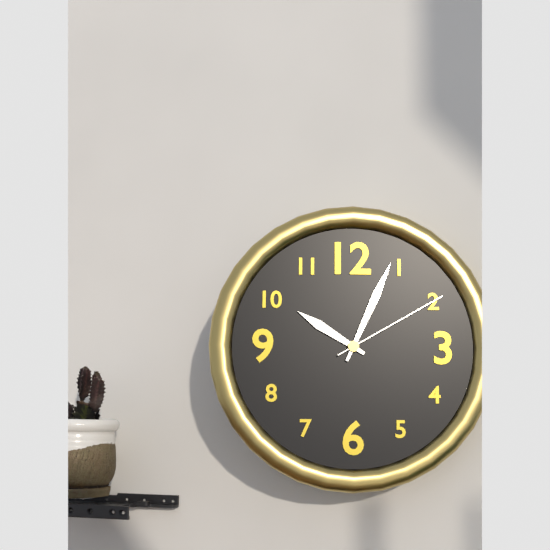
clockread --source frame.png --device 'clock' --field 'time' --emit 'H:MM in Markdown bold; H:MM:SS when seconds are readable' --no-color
**10:04:10**
